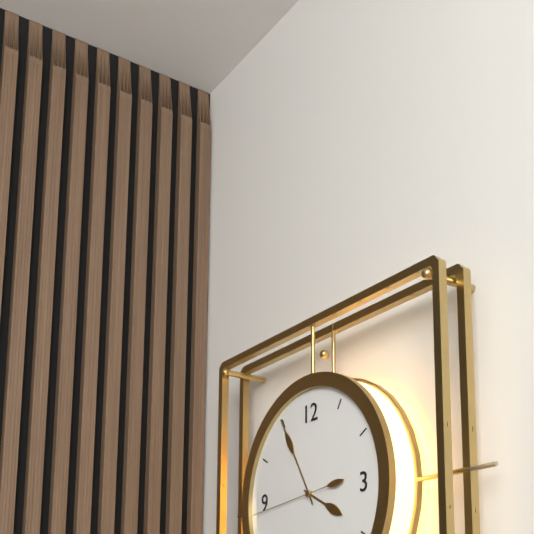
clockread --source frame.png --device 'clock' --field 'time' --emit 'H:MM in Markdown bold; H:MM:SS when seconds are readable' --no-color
**3:55:44**
